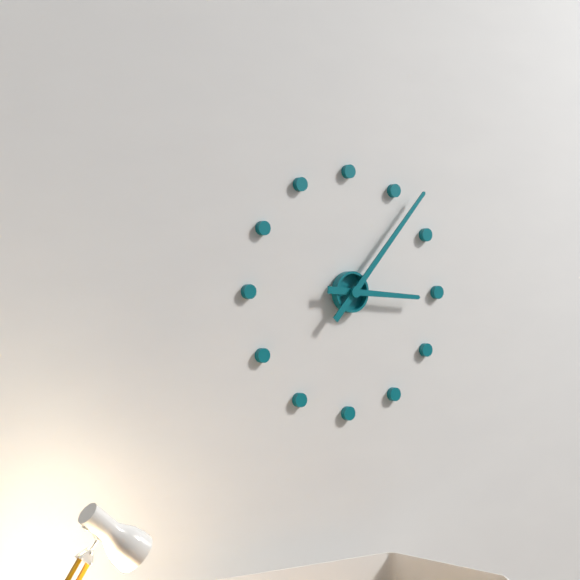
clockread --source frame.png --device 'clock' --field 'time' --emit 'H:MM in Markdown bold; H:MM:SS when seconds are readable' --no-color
**3:07**
